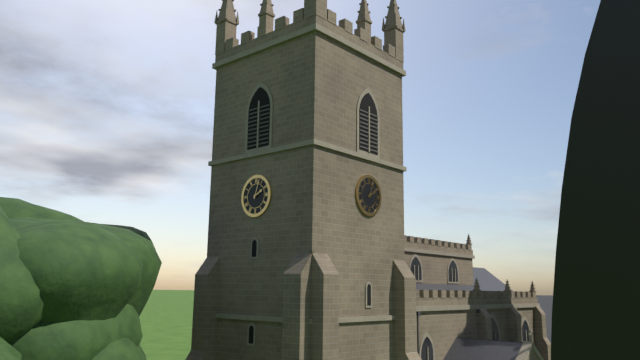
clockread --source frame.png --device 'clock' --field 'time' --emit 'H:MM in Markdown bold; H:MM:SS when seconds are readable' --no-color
**2:03**
